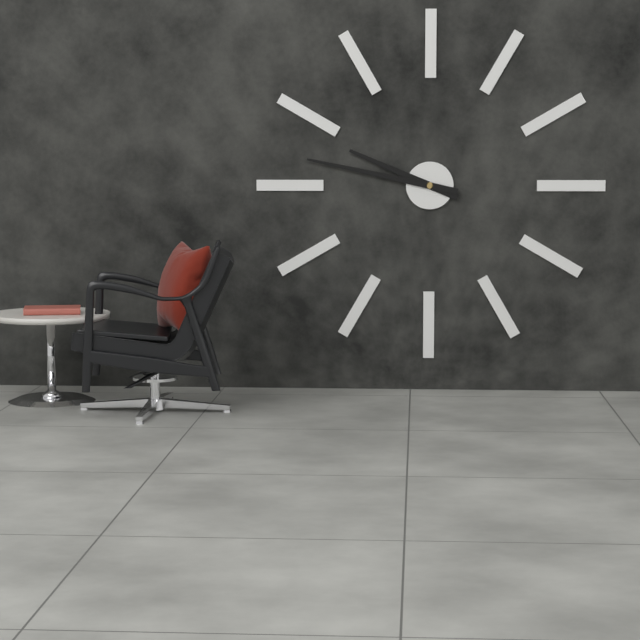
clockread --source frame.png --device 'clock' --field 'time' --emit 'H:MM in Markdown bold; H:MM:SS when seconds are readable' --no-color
**9:47**
